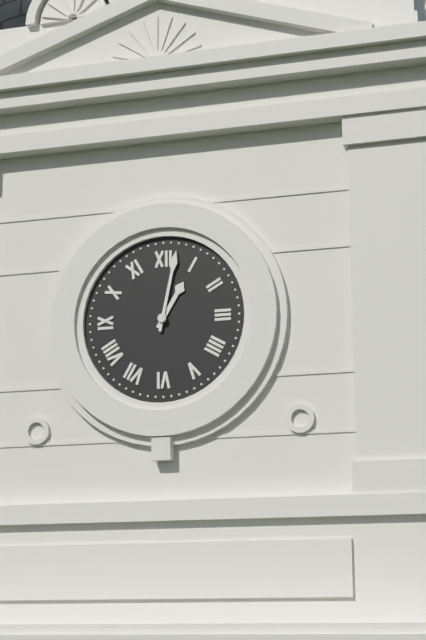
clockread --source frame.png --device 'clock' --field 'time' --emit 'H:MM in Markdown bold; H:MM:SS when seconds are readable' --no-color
**1:02**
